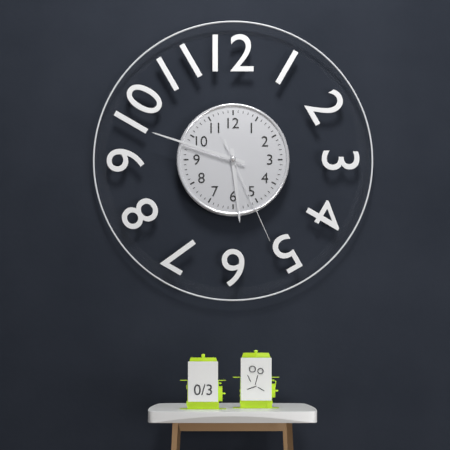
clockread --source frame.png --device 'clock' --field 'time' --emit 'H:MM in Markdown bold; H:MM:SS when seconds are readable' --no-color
**5:48:26**
